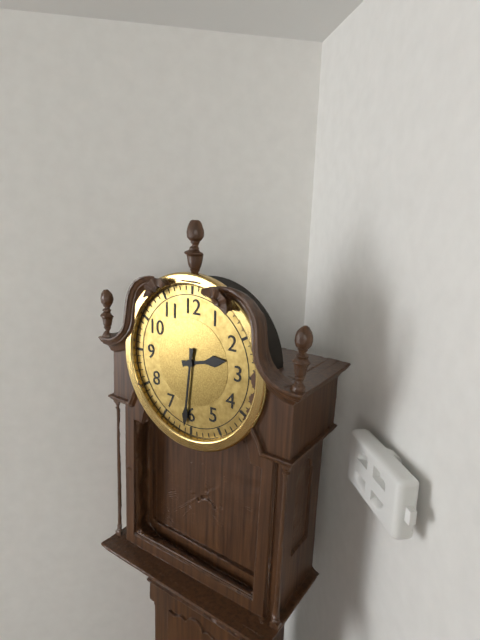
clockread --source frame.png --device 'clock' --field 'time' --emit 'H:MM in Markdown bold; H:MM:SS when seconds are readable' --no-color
**2:31**
